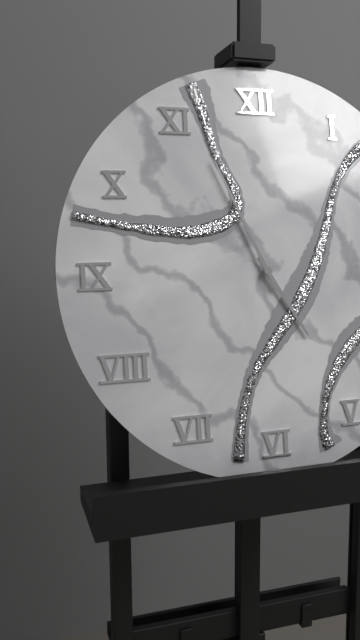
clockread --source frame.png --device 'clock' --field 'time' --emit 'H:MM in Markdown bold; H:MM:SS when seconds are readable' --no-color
**4:56**
